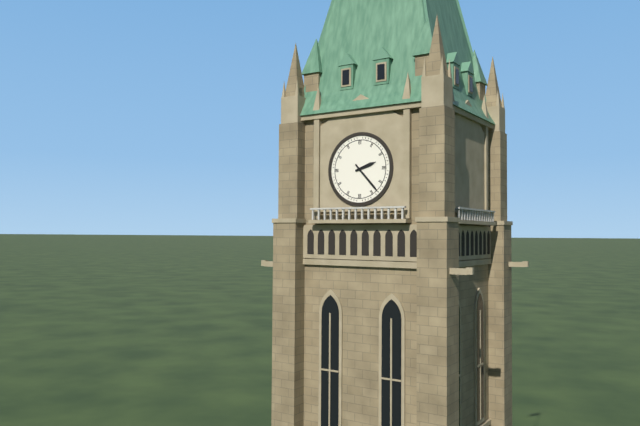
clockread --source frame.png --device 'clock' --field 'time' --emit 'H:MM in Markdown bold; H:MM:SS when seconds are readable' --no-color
**2:23**
